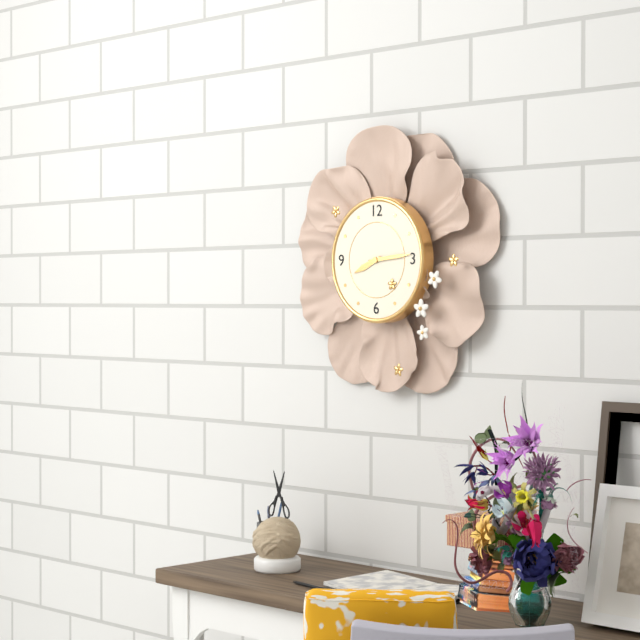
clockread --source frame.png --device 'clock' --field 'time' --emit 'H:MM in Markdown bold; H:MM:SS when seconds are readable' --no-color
**8:14**
